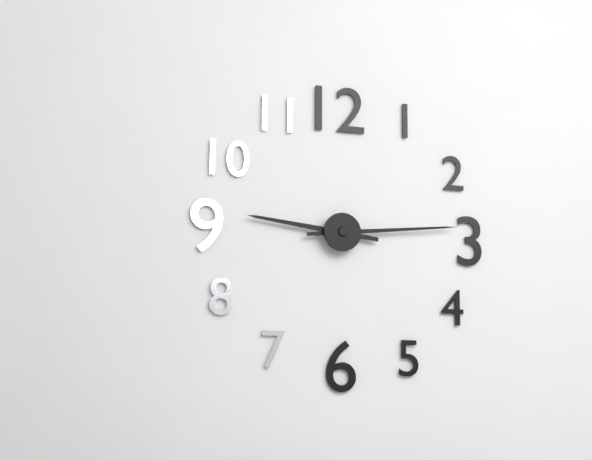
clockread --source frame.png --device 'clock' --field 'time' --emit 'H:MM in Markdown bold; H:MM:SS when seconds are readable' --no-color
**9:14**
